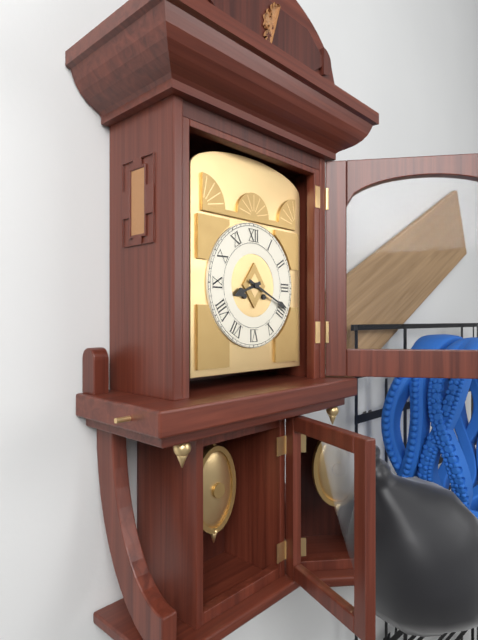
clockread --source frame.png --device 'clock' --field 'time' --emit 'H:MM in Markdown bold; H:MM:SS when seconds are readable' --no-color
**8:19**
